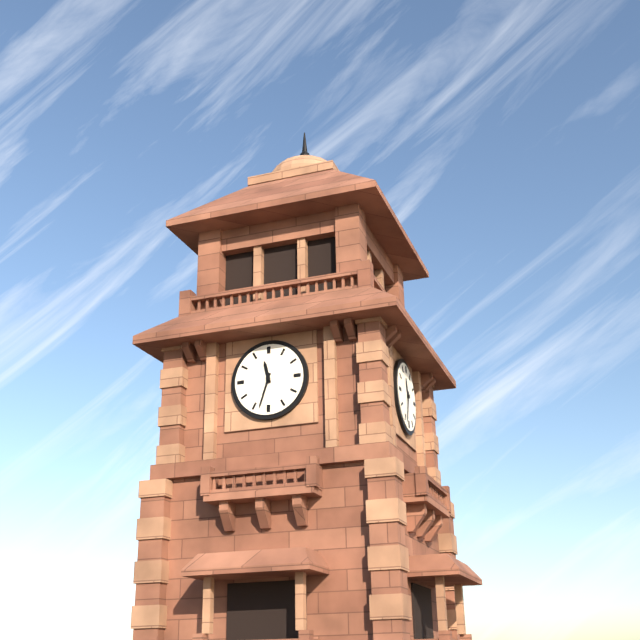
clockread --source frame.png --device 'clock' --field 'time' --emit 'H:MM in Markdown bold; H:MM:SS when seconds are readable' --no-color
**11:33**
